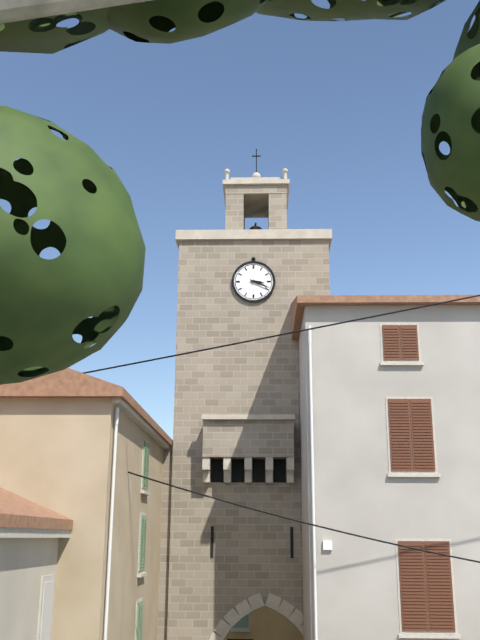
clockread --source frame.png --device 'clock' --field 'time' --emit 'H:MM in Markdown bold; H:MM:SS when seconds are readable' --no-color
**3:19**
